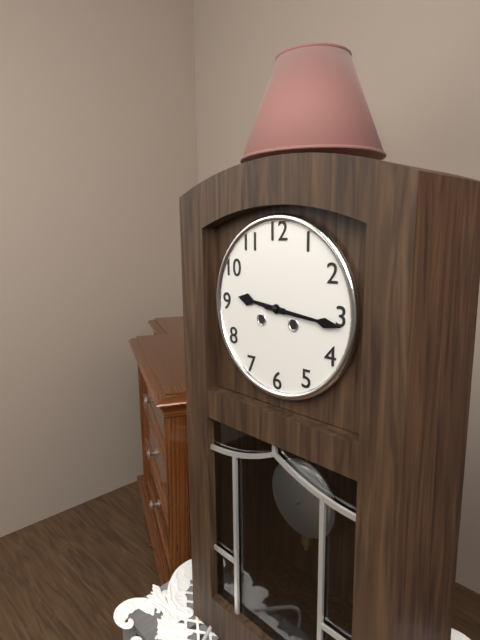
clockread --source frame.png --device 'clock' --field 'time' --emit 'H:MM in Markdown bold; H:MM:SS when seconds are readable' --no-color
**9:16**
